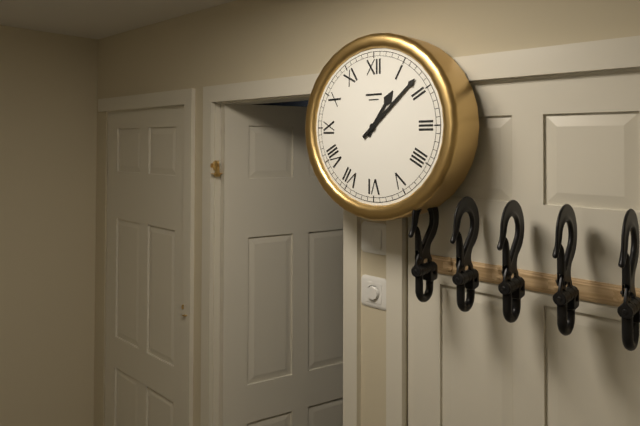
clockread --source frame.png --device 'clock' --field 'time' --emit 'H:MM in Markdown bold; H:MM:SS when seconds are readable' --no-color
**1:08**
